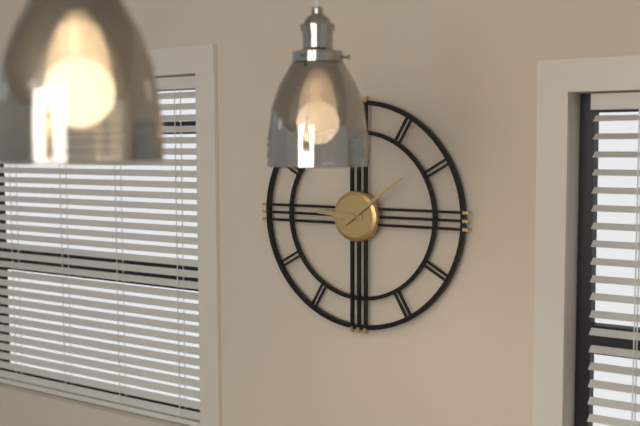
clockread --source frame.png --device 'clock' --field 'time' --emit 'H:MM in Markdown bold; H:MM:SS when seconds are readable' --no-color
**9:09**
